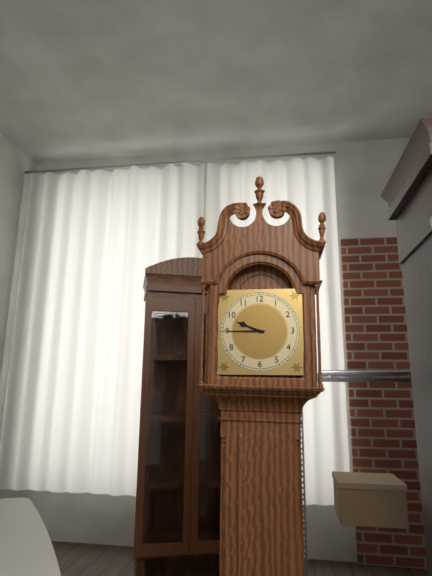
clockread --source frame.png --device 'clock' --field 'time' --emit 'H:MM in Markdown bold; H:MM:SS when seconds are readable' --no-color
**9:45**
